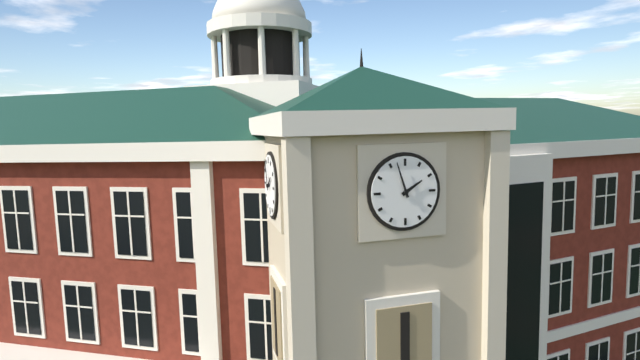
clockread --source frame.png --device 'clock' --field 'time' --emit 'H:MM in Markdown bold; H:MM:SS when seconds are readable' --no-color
**1:57**
